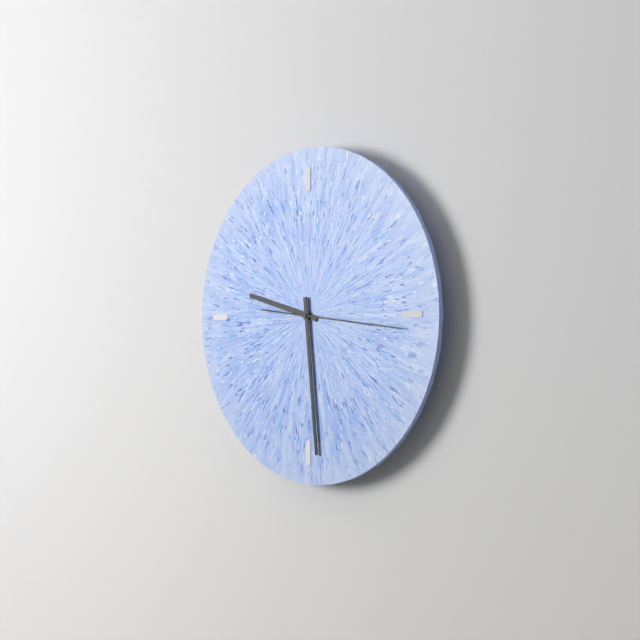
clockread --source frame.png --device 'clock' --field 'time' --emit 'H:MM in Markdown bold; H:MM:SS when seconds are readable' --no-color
**9:29:16**
